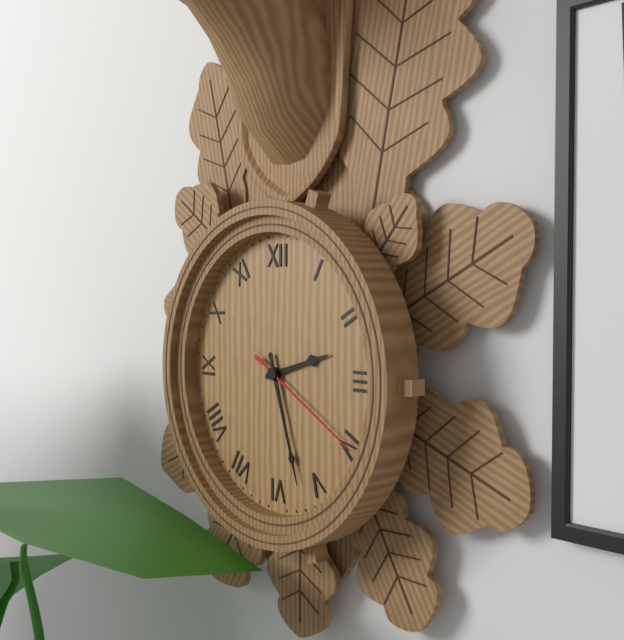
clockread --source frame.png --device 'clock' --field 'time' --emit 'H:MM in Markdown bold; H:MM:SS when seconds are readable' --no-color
**2:27:20**
